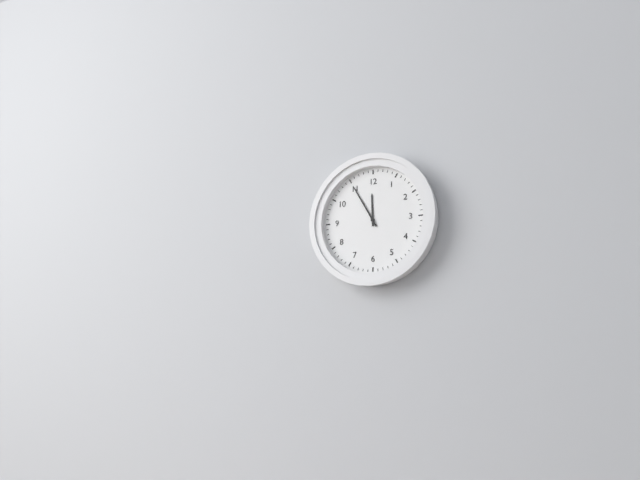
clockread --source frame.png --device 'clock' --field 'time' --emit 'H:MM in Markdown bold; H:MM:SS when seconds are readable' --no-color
**11:55**
